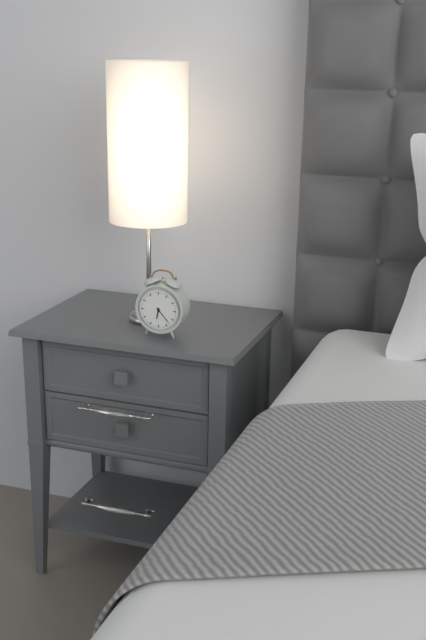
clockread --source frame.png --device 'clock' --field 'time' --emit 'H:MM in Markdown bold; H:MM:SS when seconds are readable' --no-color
**6:23**
